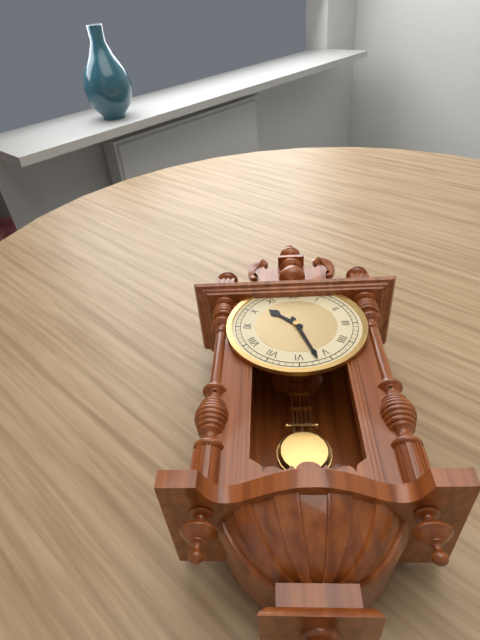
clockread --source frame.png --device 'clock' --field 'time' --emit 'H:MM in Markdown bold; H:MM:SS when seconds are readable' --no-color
**10:27**
